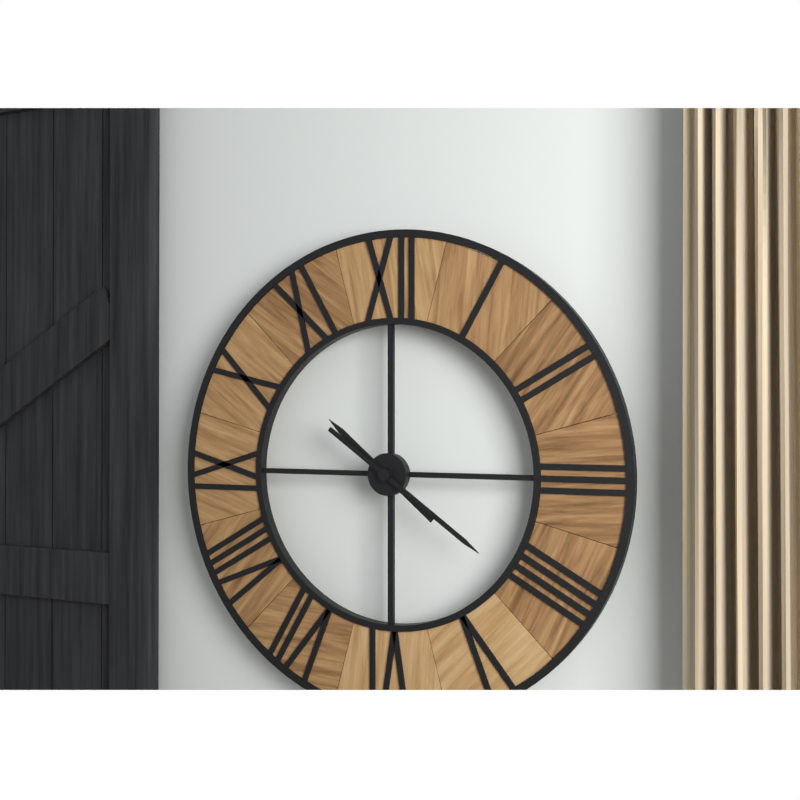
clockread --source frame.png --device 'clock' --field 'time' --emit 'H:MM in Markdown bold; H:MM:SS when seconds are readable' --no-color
**10:21**
